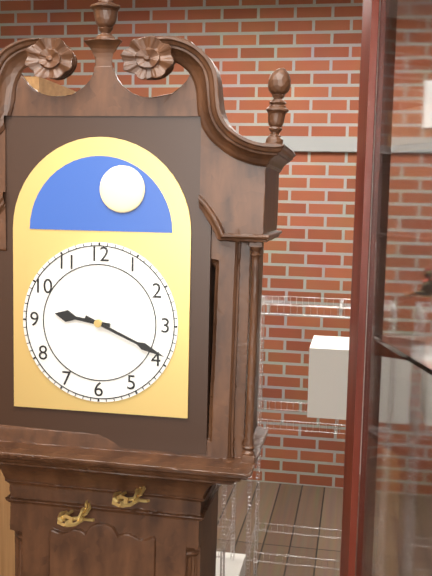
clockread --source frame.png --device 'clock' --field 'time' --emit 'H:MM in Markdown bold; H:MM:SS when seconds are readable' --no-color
**9:19**
